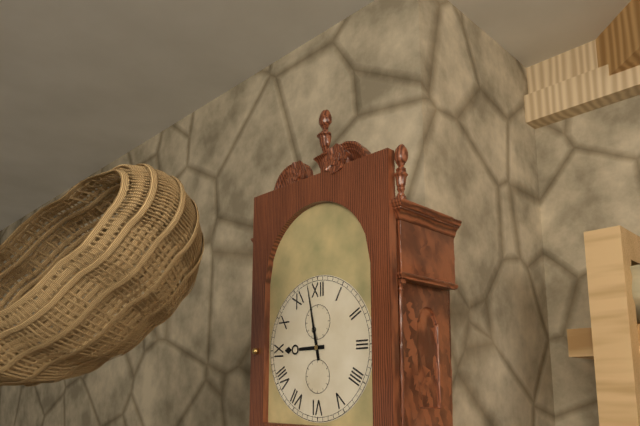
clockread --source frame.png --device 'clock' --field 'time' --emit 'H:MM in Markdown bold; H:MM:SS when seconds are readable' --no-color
**8:58**
